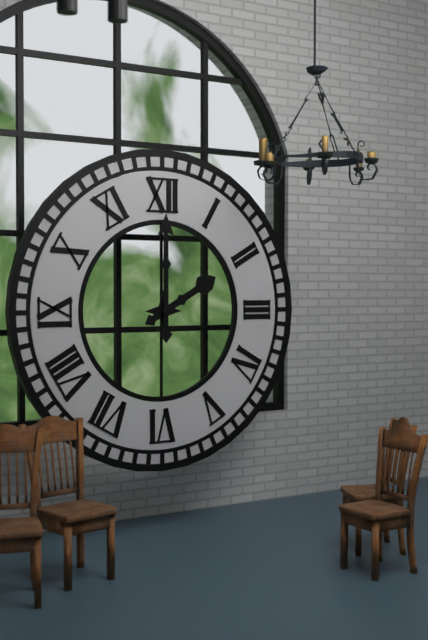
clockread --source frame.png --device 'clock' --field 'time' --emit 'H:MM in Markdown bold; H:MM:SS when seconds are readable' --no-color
**2:00**
